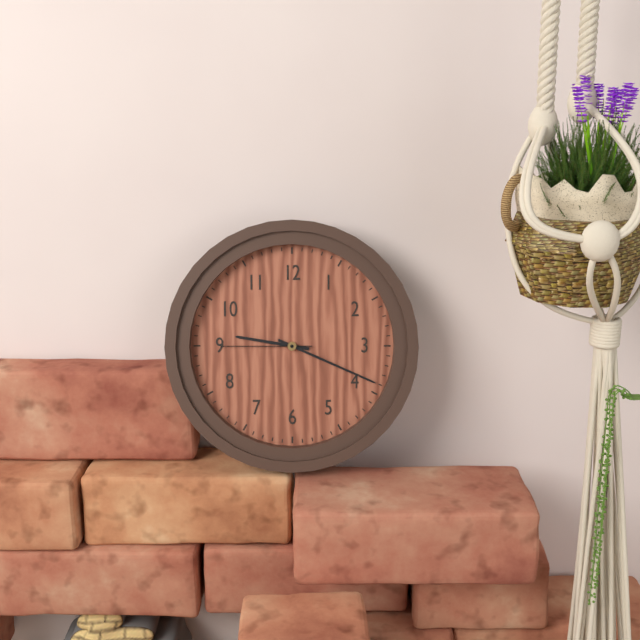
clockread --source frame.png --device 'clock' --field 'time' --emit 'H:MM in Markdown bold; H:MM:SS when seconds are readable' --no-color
**9:19:45**
